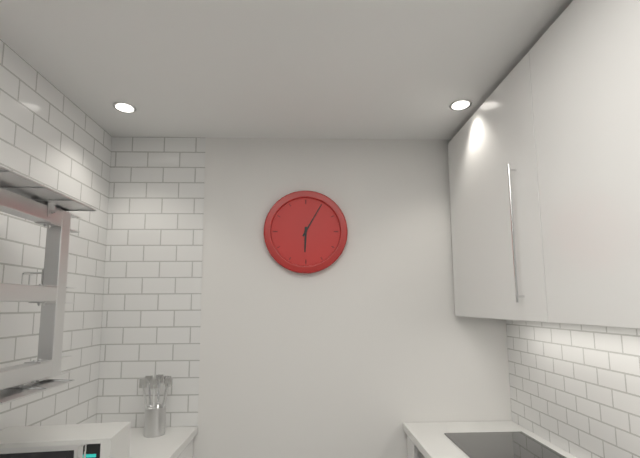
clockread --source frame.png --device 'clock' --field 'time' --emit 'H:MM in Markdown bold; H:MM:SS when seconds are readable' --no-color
**6:05**
